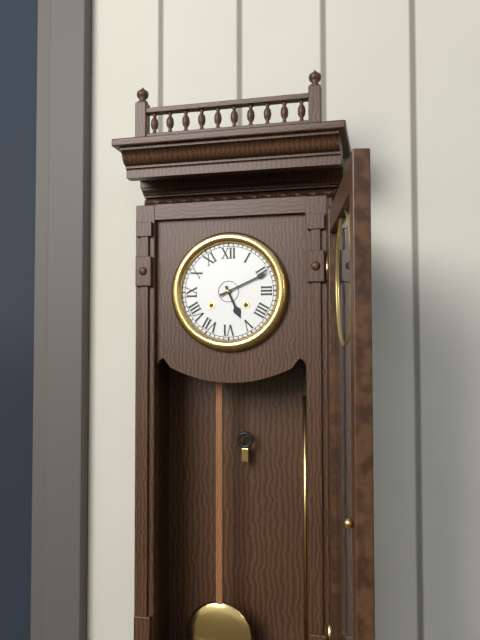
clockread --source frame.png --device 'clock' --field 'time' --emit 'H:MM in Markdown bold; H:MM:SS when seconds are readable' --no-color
**5:11**
